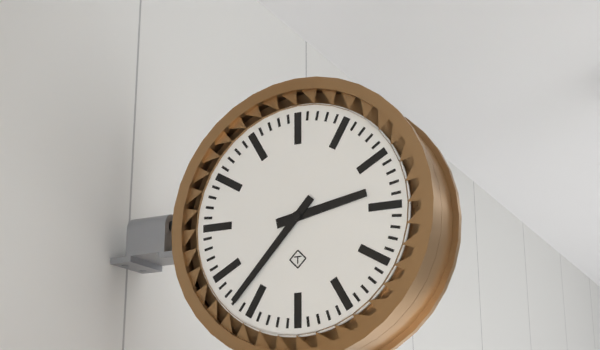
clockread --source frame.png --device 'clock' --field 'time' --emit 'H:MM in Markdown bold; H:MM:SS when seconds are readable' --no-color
**2:37**
